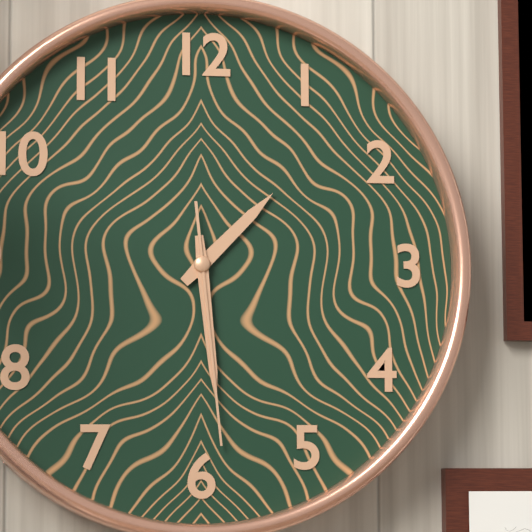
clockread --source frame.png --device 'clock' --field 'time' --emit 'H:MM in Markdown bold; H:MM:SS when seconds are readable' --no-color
**1:29:29**
